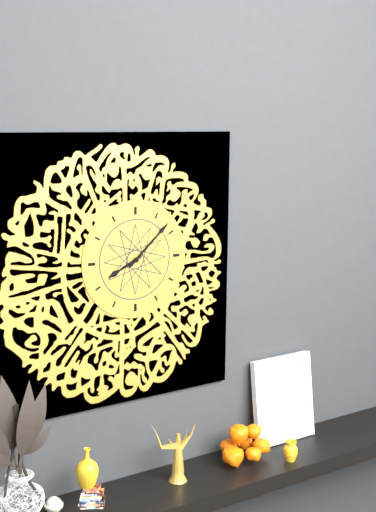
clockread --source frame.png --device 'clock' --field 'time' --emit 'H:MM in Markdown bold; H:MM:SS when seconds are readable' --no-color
**8:08**
